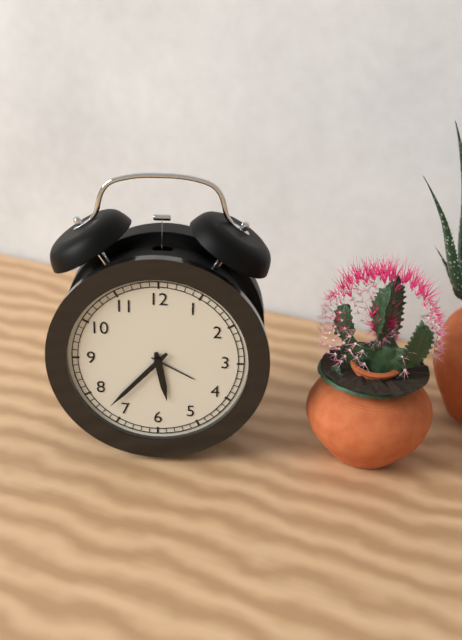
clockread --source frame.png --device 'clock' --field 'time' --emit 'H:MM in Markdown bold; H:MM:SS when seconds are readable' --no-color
**5:37**
